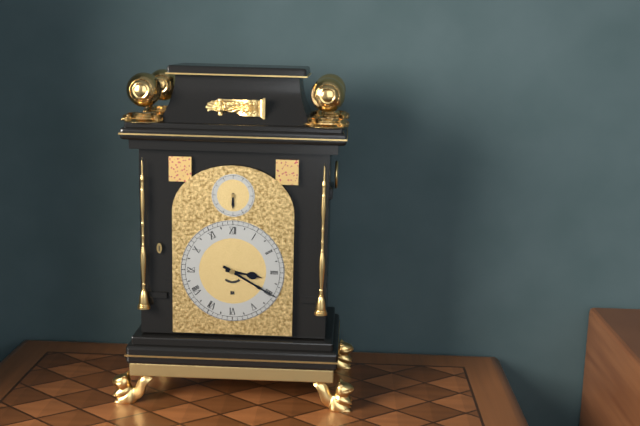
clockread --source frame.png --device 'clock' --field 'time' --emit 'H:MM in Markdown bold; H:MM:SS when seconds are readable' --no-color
**3:20**
